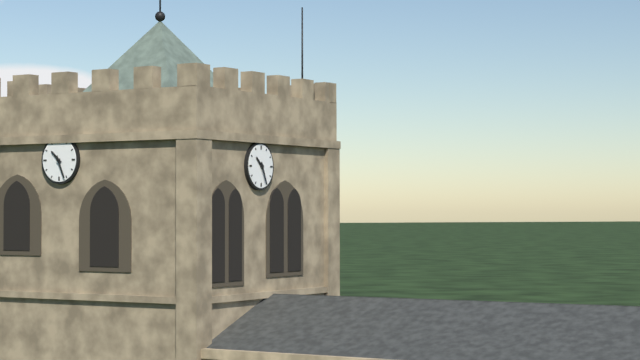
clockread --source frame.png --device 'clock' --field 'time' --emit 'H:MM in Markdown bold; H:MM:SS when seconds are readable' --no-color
**10:26**
